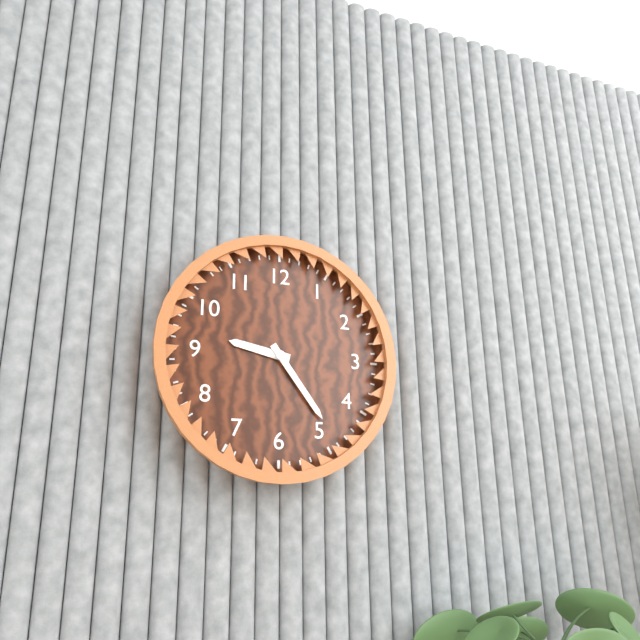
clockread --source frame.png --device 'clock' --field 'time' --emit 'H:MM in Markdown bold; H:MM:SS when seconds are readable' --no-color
**9:24**
